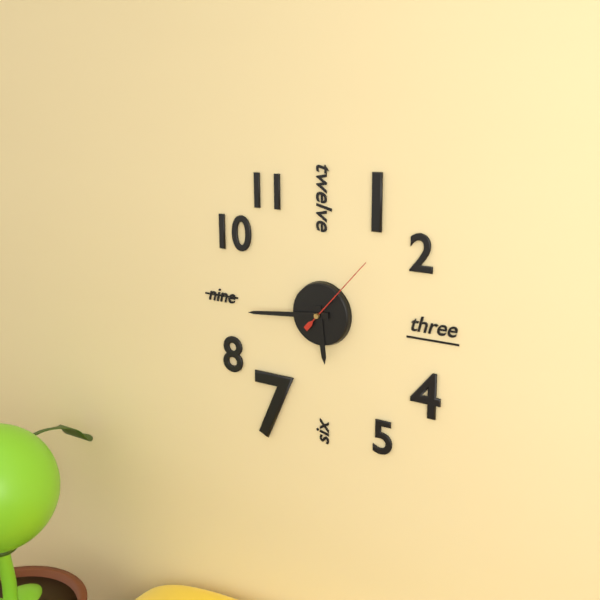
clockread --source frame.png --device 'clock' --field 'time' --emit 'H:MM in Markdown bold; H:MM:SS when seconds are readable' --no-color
**5:44:07**
